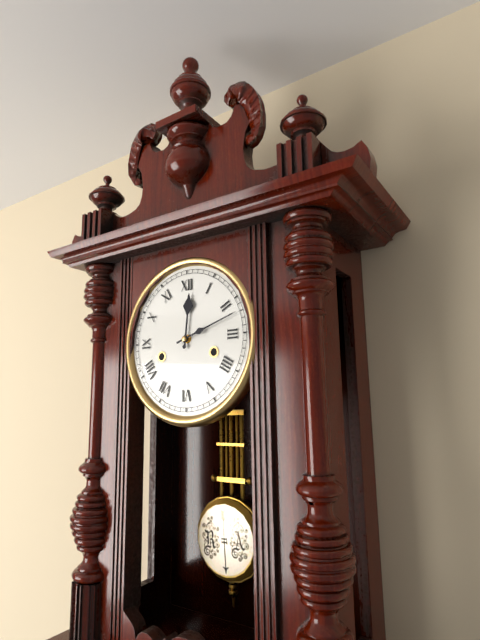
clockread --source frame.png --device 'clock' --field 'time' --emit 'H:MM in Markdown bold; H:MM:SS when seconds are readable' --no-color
**12:12**
